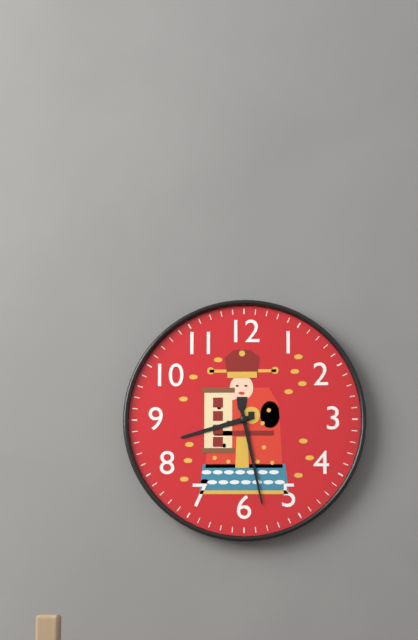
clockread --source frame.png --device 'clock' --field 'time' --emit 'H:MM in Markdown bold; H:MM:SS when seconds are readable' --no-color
**8:28**
